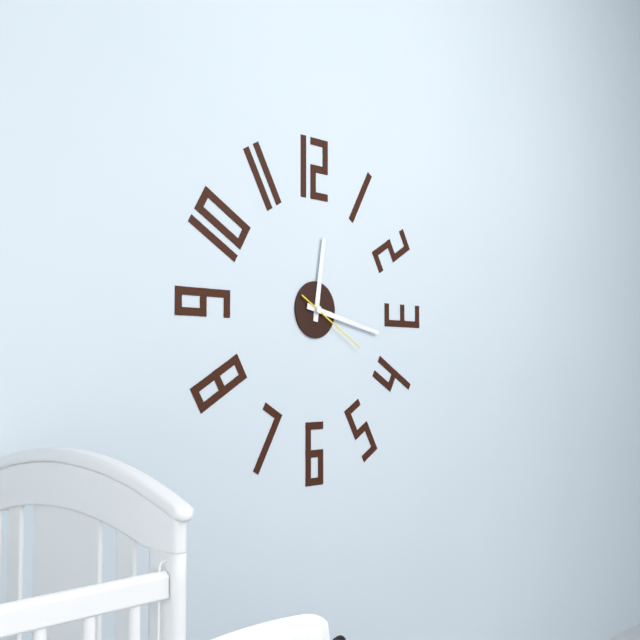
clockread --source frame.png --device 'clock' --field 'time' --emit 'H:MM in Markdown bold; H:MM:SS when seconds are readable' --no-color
**12:17:20**
